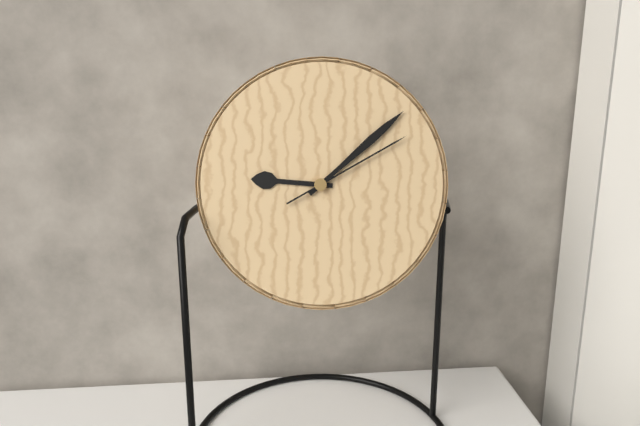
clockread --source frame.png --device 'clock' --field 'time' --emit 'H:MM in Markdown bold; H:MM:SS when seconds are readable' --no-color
**9:08:10**
